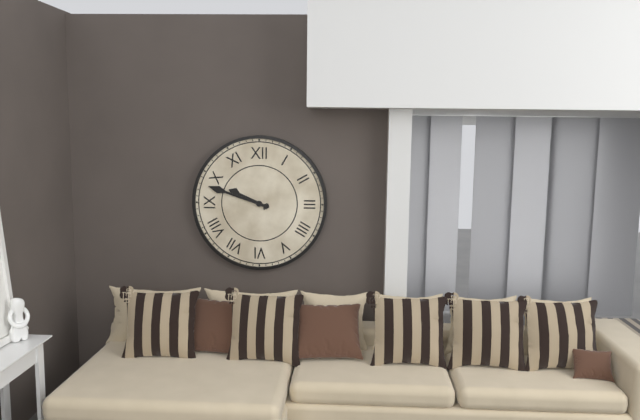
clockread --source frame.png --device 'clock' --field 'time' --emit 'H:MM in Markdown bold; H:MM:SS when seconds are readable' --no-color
**9:48**
